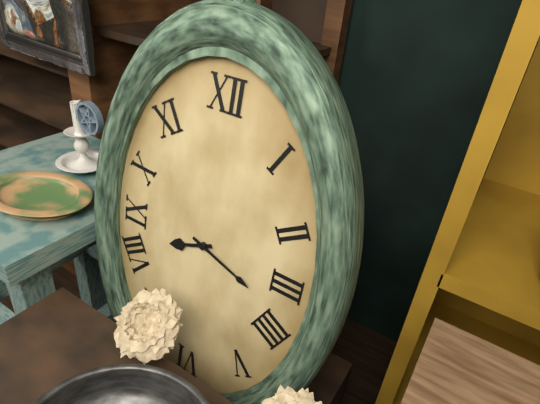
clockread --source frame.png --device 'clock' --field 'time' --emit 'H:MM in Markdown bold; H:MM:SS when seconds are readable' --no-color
**8:18**
